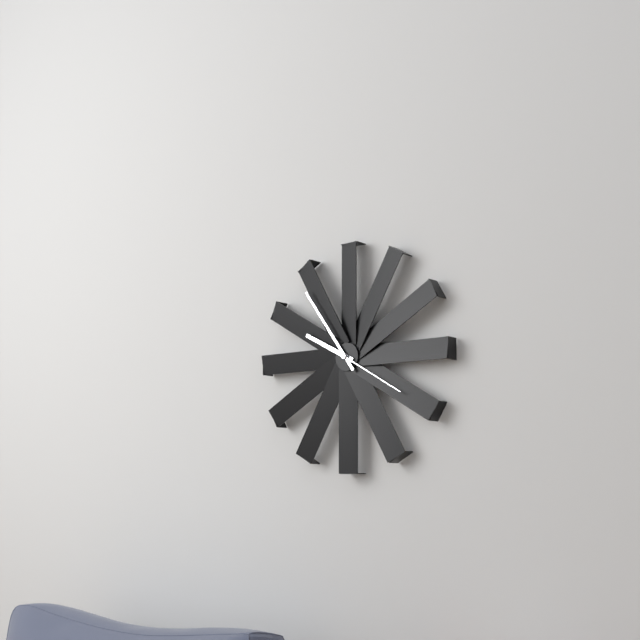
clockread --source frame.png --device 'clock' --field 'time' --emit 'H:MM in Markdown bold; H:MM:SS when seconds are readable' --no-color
**9:54:20**
